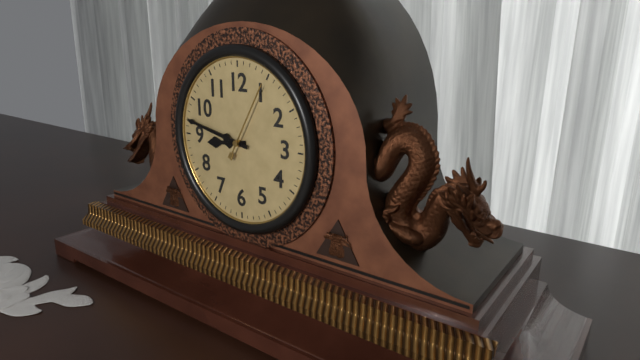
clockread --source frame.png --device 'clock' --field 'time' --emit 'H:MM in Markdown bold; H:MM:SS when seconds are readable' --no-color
**8:47:05**
